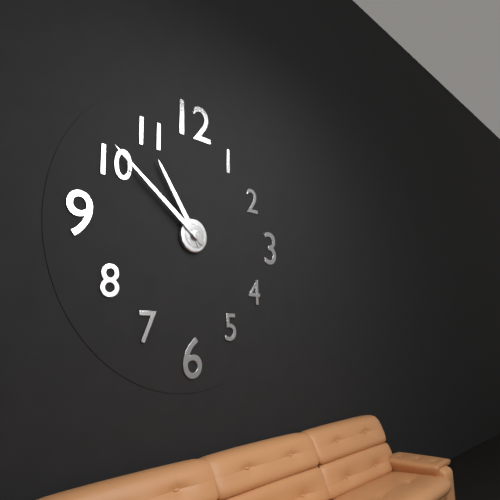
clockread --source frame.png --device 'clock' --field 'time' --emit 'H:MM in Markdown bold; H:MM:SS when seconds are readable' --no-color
**10:51**
